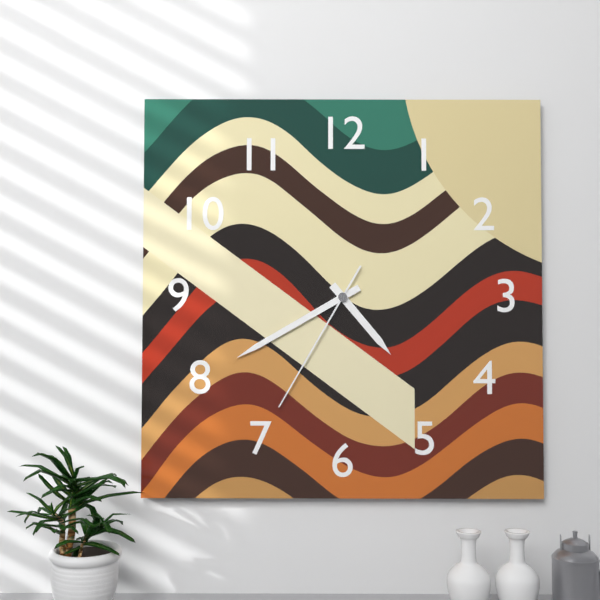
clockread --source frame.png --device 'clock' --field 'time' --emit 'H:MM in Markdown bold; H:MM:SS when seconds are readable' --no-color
**4:40:35**
